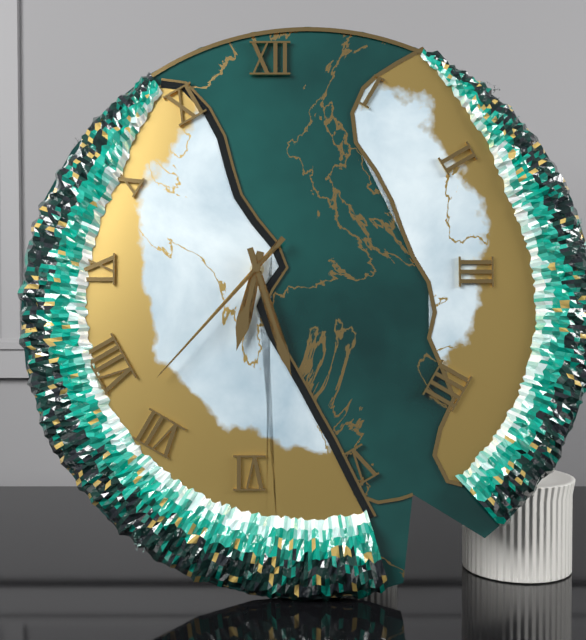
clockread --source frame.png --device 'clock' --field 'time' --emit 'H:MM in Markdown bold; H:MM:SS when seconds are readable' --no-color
**6:27:37**
